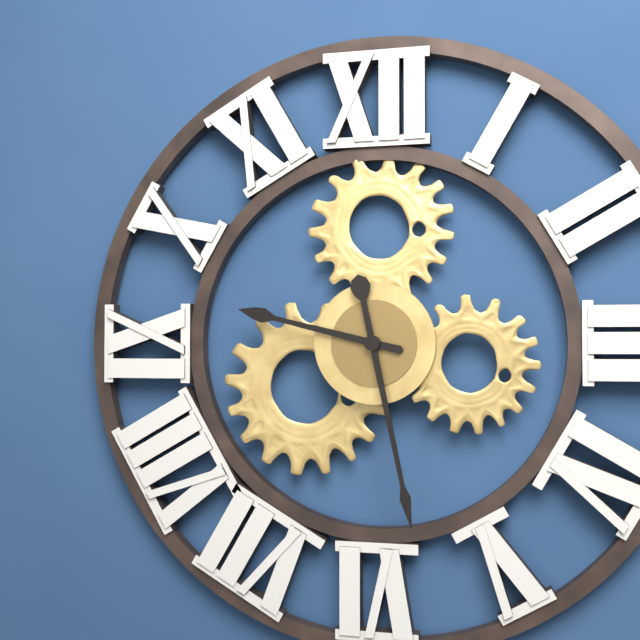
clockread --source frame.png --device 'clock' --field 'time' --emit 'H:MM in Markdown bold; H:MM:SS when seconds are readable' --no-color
**9:28**
